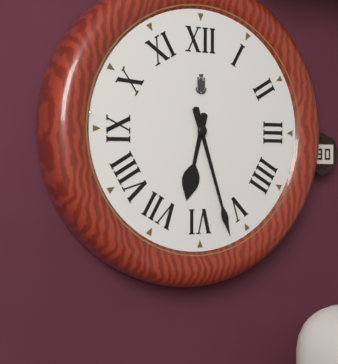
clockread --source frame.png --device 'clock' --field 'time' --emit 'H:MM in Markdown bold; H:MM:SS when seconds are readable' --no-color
**6:27**
